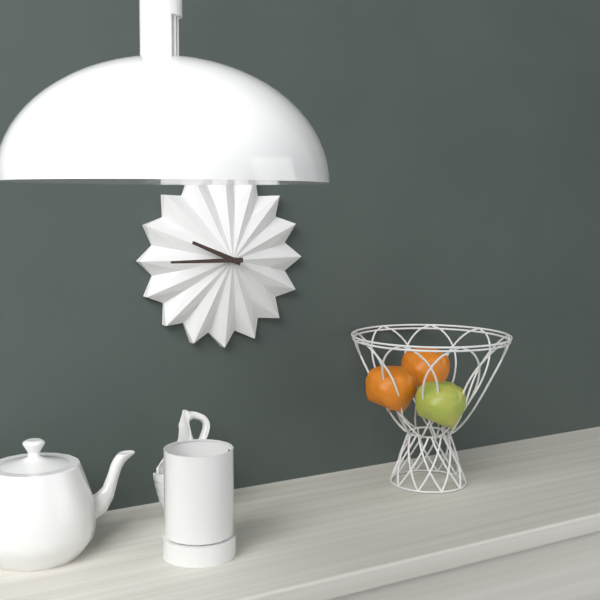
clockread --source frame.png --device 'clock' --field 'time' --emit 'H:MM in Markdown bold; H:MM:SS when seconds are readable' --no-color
**9:45**
